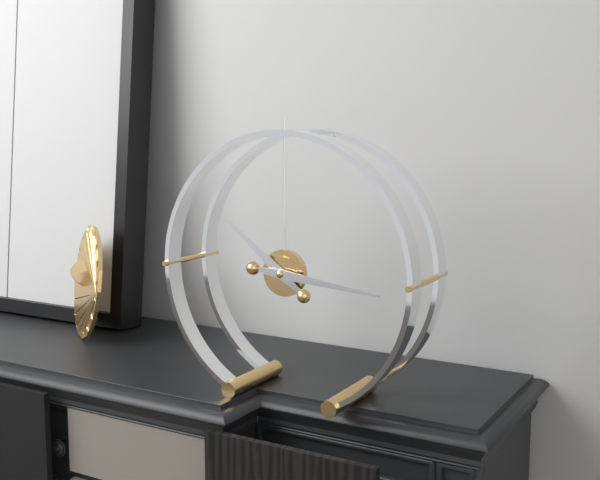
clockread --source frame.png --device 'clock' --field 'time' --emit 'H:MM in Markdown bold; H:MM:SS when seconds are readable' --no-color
**10:16**
